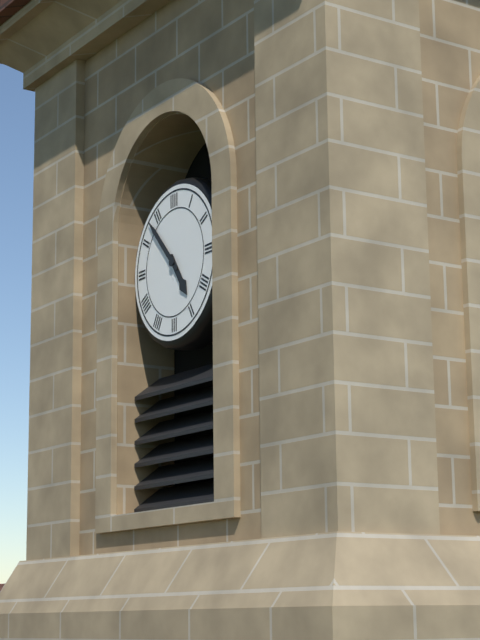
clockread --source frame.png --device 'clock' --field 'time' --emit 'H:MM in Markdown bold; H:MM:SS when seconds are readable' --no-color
**4:53**
